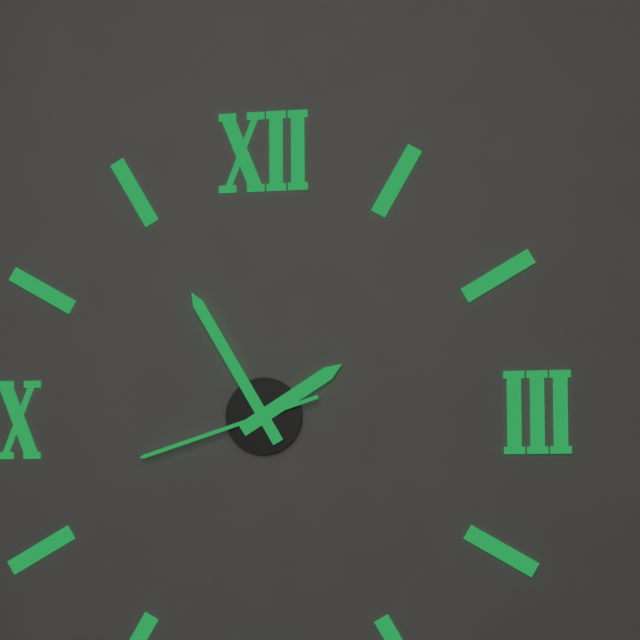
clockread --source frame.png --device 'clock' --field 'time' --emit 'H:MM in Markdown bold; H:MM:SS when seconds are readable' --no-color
**1:55:42**
